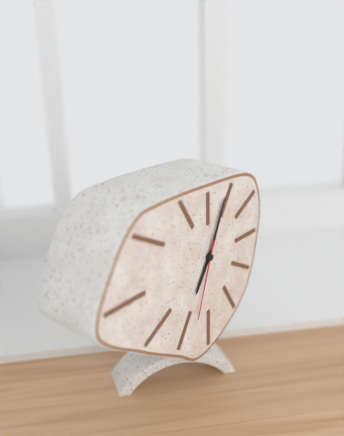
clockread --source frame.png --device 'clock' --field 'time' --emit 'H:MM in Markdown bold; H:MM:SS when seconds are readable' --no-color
**7:04:33**
